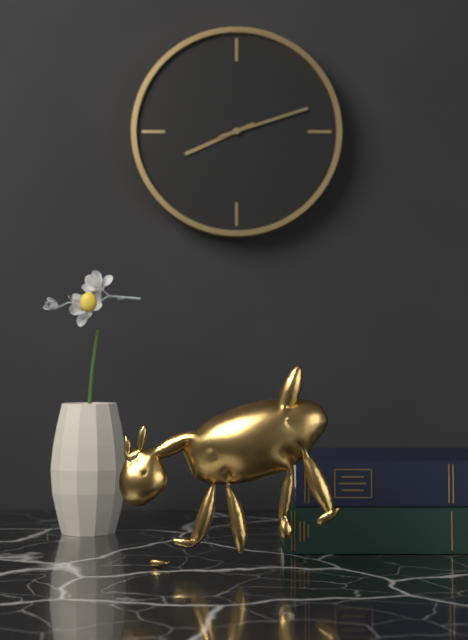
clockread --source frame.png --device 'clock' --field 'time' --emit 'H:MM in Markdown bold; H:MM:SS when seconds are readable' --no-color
**8:12**
